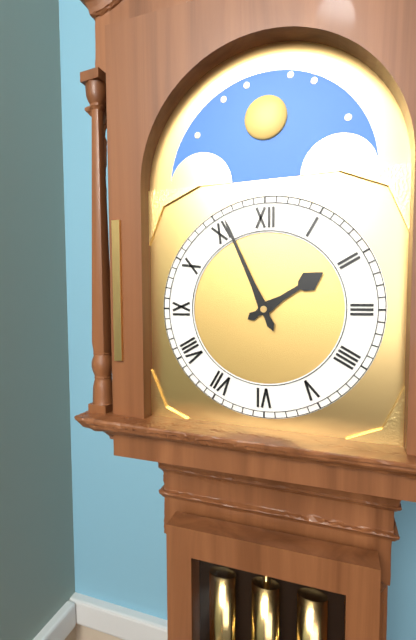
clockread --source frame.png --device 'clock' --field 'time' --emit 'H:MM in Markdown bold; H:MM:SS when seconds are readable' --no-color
**1:56**
